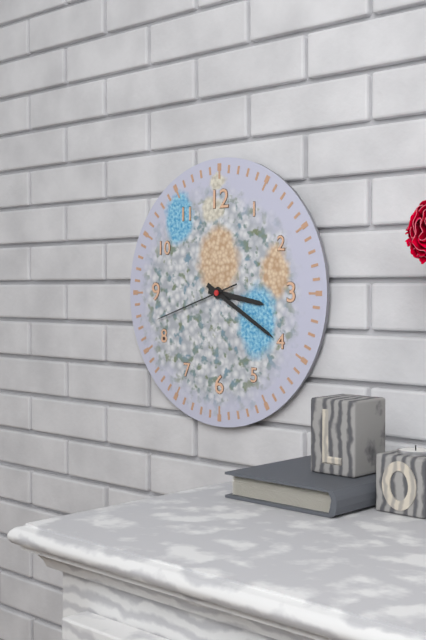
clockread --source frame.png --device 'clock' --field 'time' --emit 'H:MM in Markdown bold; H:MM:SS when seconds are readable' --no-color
**3:20:42**
